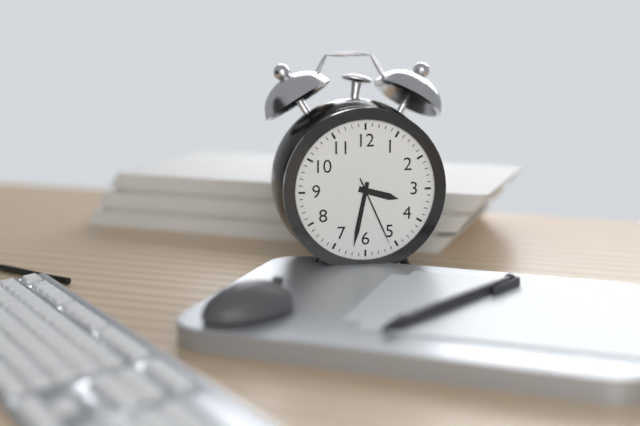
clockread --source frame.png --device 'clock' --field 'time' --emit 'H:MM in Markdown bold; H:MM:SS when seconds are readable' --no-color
**3:32:26**
